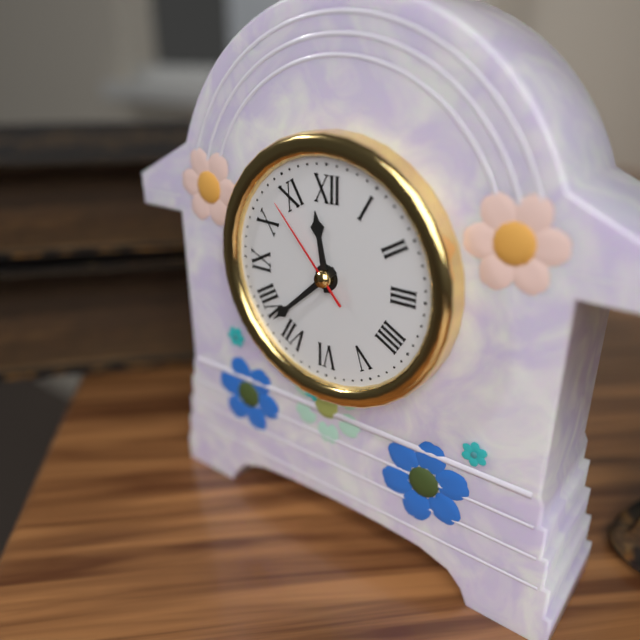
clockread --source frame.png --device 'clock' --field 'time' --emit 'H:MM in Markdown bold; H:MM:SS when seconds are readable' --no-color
**11:38:53**
